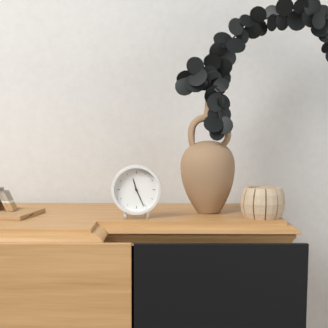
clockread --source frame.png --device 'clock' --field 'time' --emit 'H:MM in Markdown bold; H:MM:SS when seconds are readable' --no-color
**11:26**
